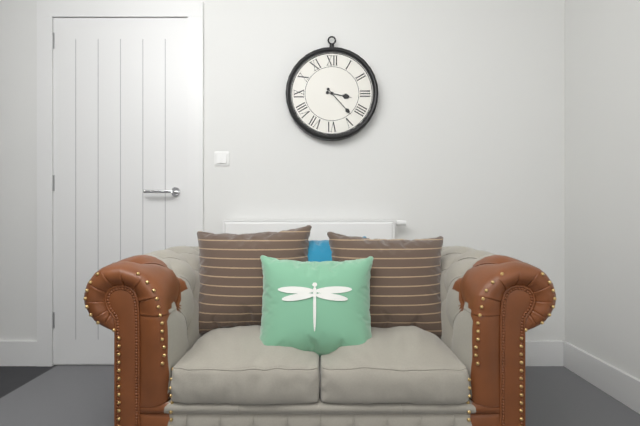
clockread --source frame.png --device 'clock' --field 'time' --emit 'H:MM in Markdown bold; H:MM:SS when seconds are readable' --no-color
**3:23**
